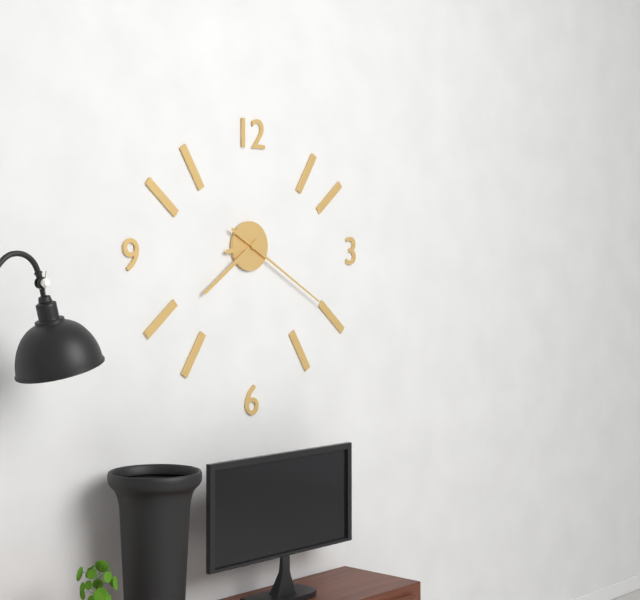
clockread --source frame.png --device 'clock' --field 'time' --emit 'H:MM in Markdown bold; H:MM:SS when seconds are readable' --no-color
**8:39:20**
